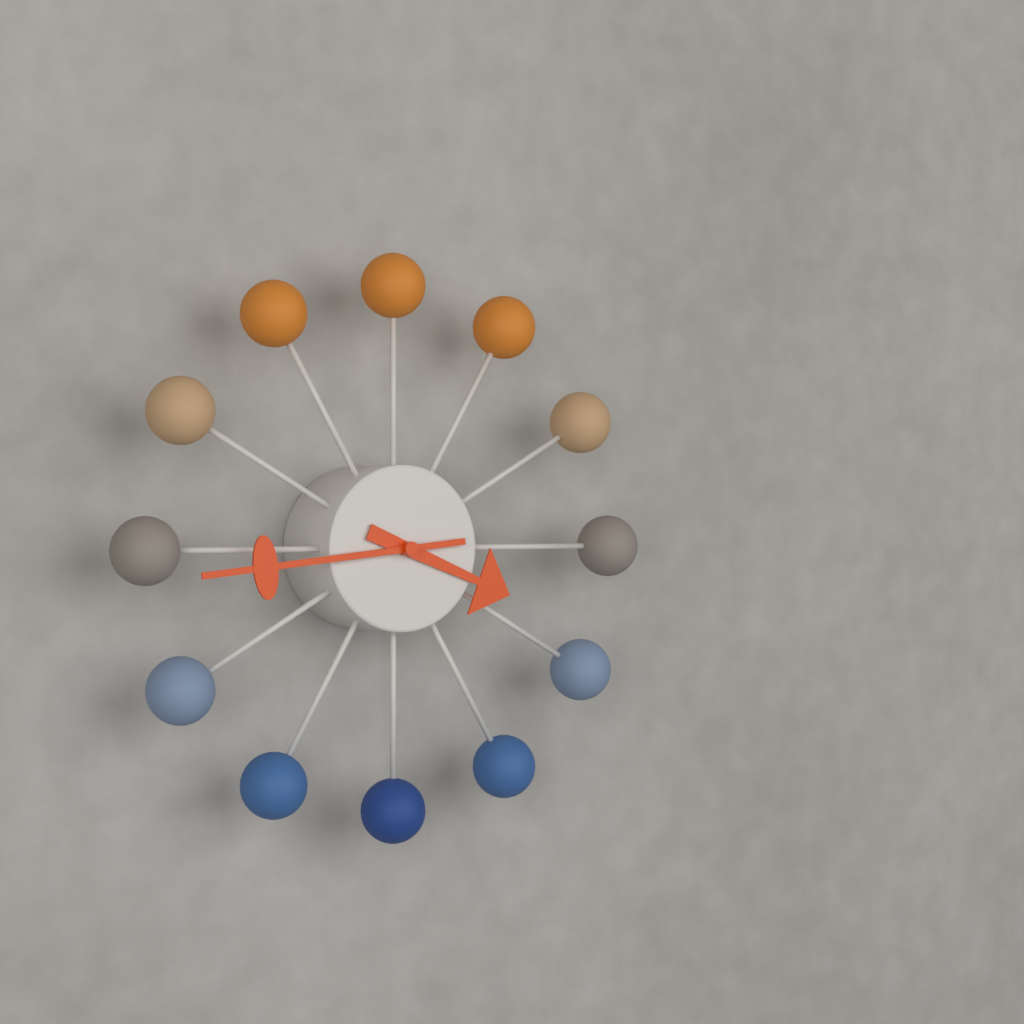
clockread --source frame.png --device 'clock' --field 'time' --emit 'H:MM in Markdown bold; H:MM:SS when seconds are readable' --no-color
**3:44**
